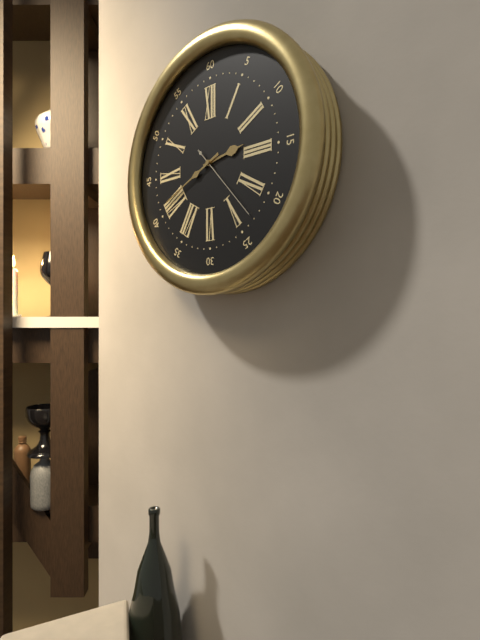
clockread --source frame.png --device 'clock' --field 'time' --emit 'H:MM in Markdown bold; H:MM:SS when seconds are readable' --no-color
**2:41:23**
